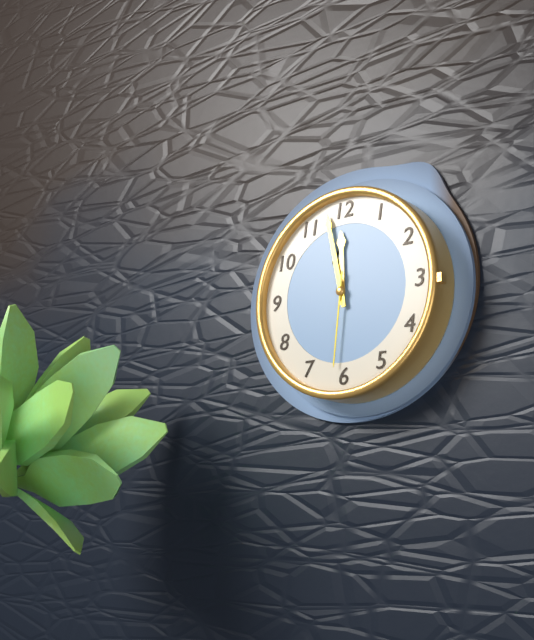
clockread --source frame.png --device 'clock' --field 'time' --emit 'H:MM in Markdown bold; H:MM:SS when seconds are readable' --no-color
**11:58:31**
